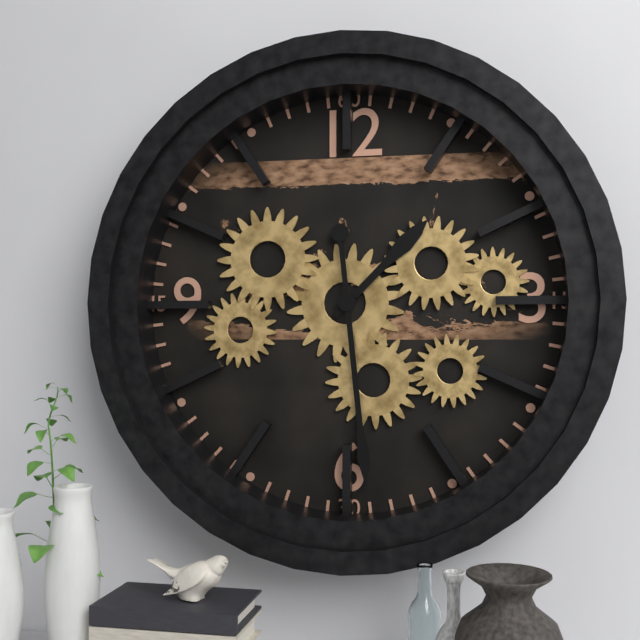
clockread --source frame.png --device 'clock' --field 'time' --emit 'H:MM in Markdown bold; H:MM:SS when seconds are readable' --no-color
**1:29**
